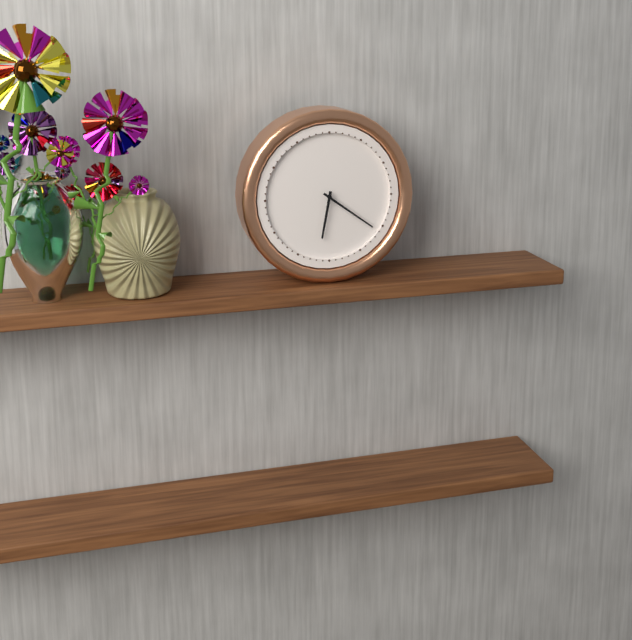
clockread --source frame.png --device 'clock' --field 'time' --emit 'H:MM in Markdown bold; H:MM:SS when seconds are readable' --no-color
**6:21**
